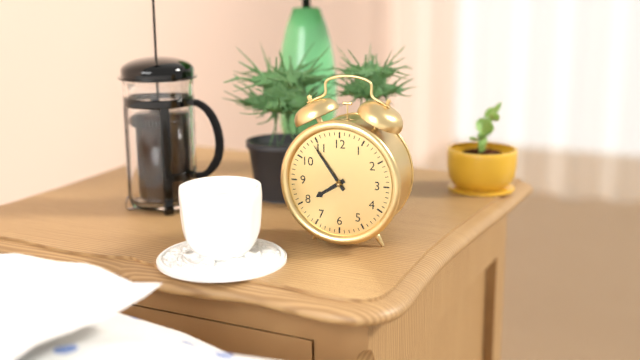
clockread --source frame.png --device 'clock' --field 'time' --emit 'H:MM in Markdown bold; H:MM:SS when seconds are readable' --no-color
**7:54**
